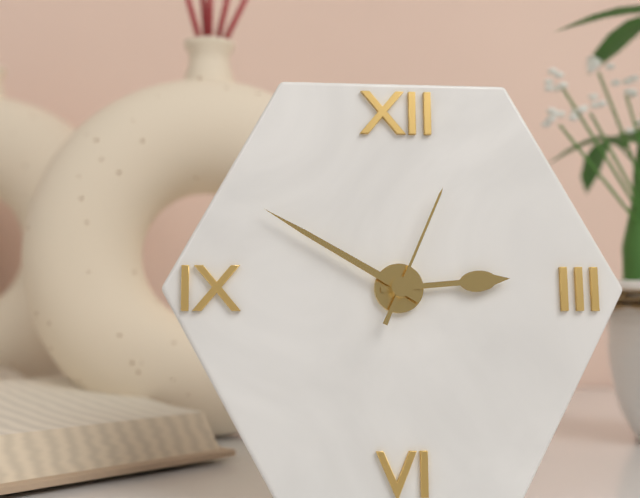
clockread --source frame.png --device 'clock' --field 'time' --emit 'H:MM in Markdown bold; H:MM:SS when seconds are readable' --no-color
**2:50:04**
